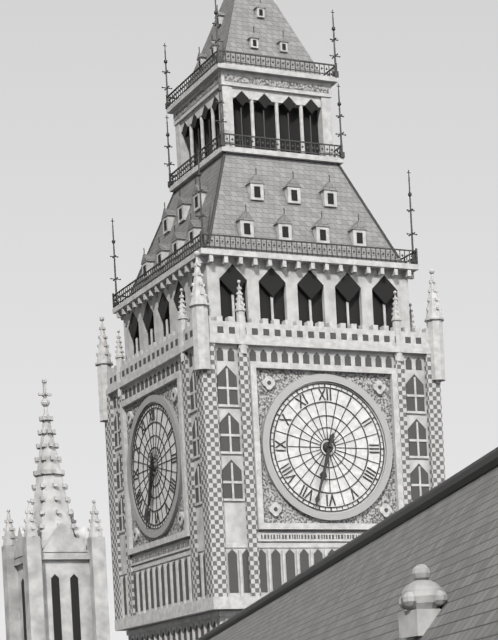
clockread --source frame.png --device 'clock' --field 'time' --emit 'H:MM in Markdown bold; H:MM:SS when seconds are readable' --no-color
**6:33**
